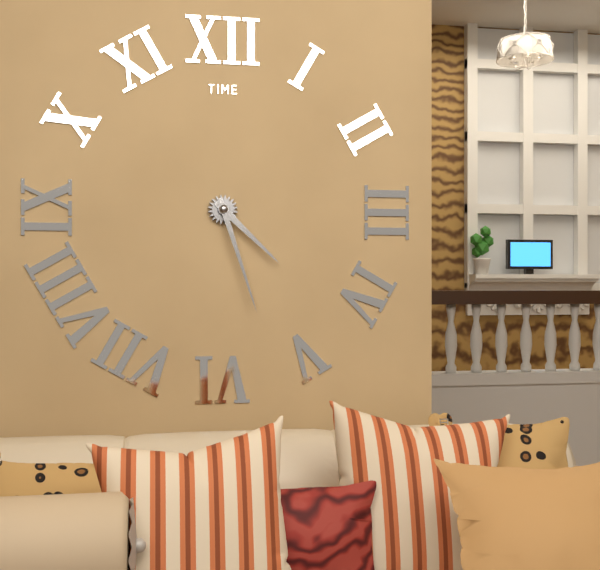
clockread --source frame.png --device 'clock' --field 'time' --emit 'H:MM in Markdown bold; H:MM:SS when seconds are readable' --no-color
**4:27**
